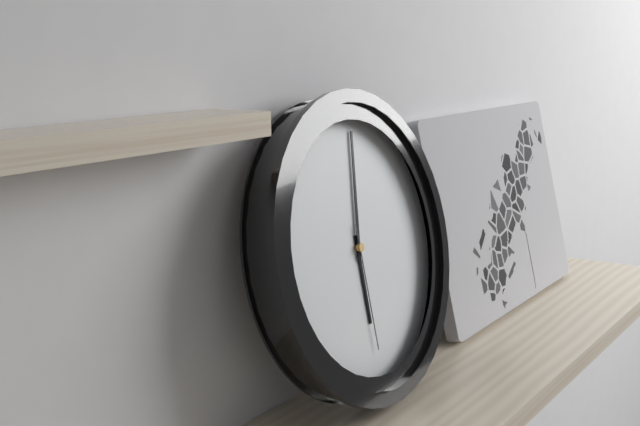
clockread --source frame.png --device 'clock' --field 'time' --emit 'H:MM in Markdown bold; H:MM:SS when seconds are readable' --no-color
**6:02:30**
